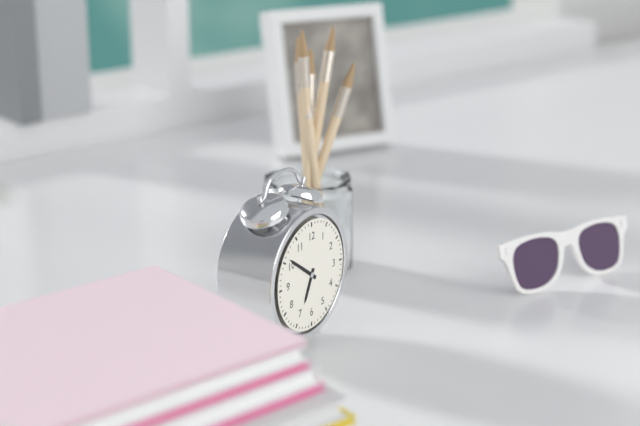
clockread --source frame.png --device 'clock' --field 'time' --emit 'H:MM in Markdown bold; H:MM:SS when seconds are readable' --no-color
**6:51**
